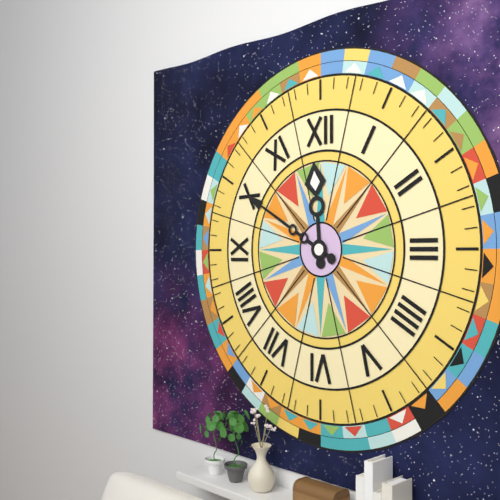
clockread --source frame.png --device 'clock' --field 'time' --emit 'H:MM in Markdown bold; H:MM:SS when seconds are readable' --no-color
**11:50**
